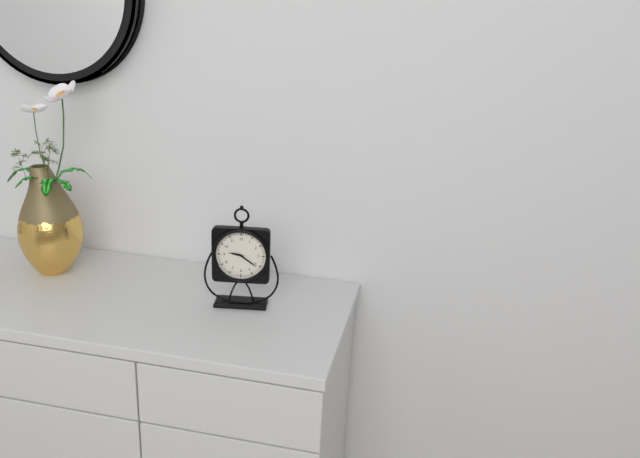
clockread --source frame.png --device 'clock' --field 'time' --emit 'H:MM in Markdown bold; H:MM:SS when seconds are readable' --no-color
**9:21**
